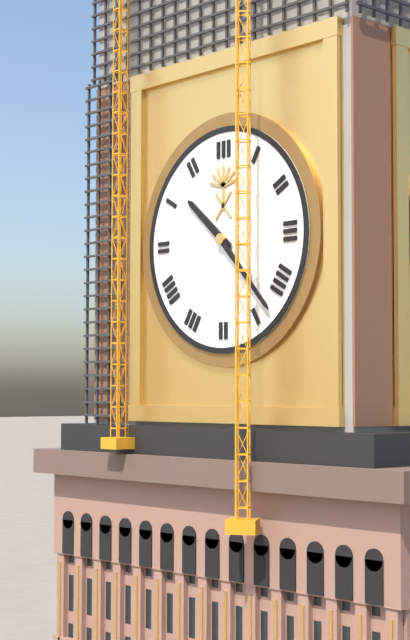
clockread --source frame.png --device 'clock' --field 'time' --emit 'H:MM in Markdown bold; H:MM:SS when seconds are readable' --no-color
**10:23**
